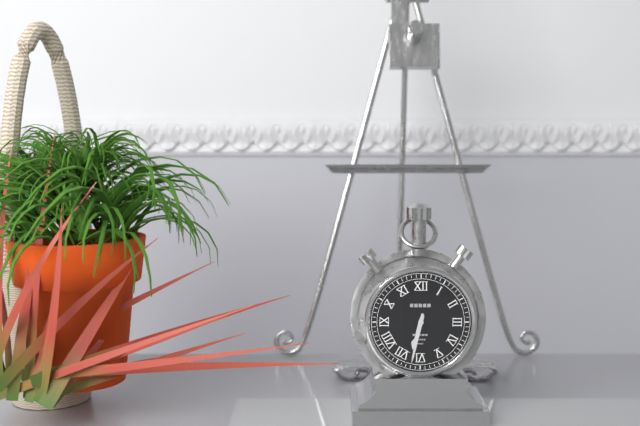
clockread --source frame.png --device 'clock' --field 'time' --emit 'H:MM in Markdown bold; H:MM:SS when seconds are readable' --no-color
**6:32**
